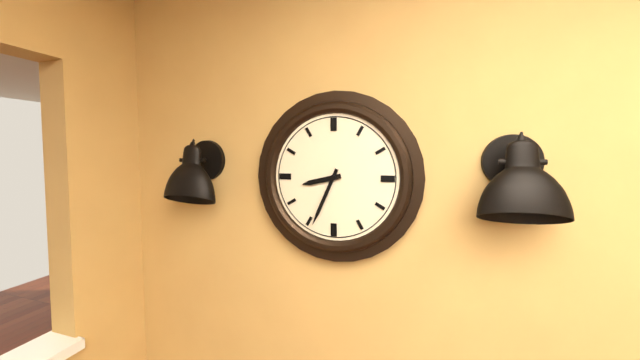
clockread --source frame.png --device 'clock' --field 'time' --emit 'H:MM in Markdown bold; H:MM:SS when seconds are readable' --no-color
**8:34**
